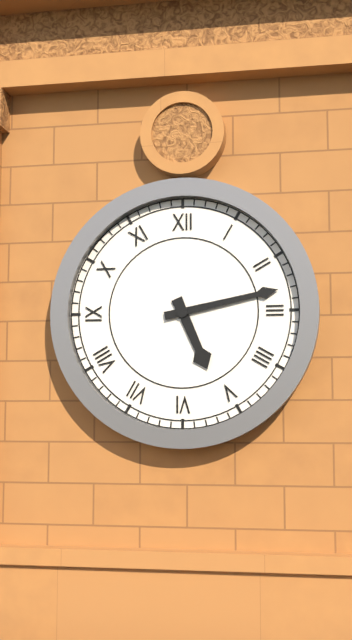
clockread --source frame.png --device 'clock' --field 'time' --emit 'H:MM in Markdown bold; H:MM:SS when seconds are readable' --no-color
**5:13**
